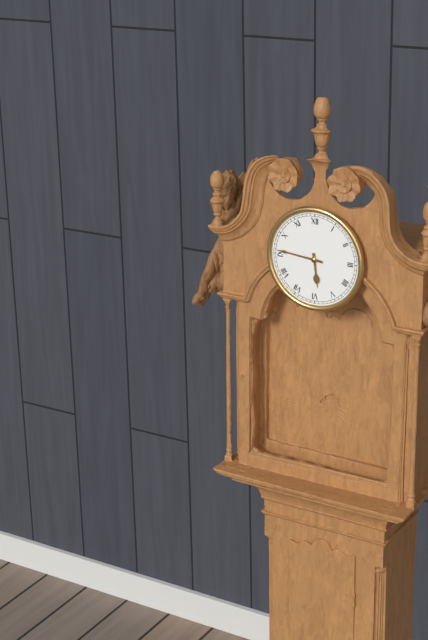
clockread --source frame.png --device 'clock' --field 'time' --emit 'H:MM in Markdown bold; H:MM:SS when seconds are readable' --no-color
**5:46**
